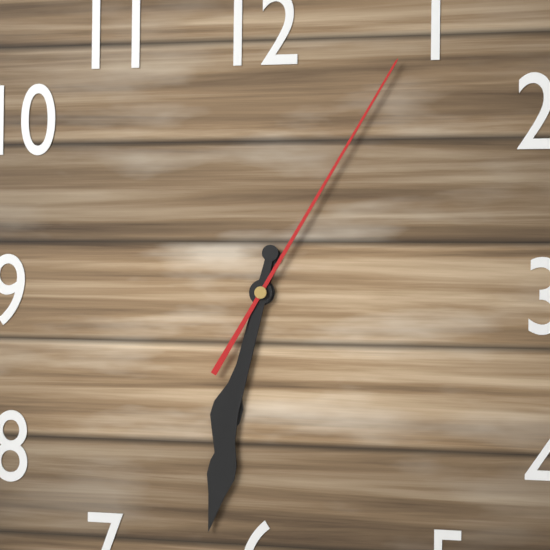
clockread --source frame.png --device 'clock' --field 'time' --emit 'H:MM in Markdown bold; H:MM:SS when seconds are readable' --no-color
**6:32:05**
